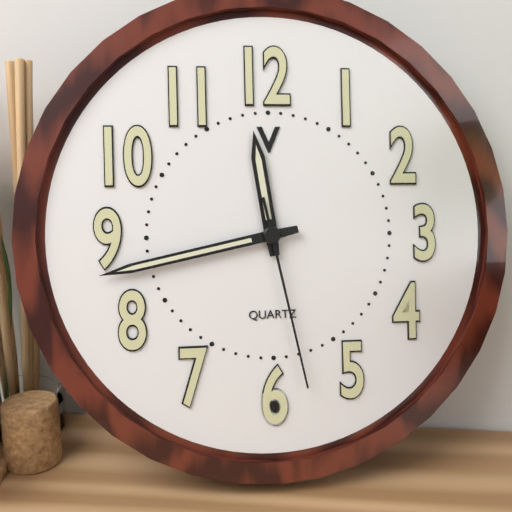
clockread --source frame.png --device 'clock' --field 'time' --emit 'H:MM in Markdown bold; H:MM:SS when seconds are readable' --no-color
**11:43:28**
